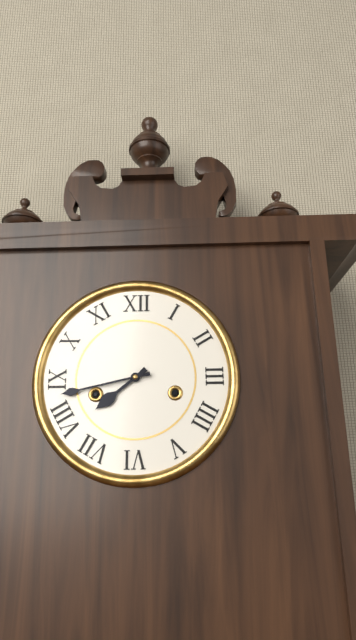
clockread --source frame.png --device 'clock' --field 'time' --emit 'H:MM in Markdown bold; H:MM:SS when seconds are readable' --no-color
**7:43**
